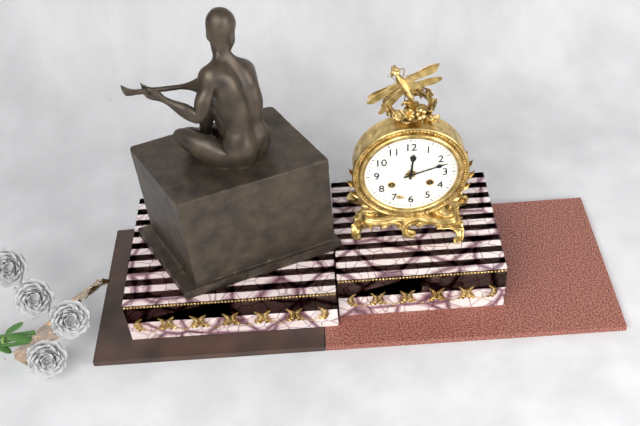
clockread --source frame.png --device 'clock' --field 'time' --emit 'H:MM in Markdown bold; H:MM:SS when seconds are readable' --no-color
**12:12**
